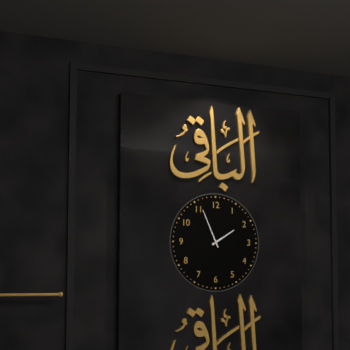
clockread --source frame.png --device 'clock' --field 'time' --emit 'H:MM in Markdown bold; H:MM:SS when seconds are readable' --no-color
**1:56**
